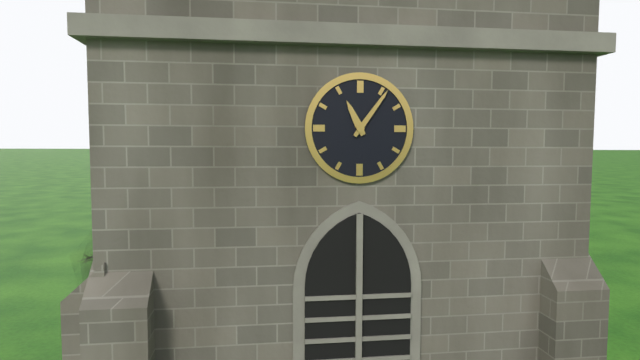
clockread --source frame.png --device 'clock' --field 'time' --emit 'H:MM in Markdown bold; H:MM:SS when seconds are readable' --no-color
**11:06**
